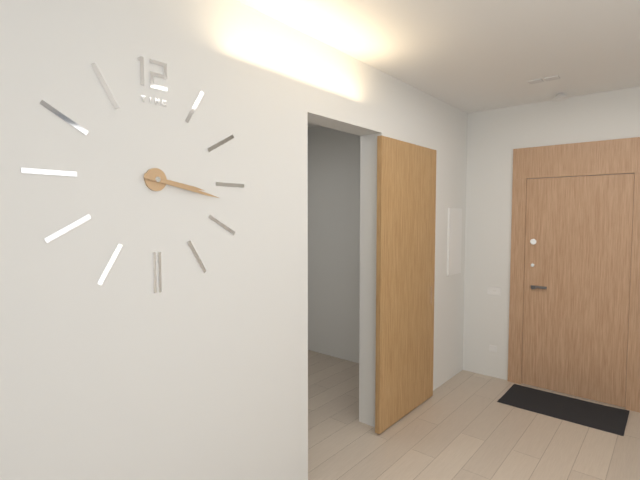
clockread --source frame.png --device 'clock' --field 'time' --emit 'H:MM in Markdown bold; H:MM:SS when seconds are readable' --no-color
**3:17**
